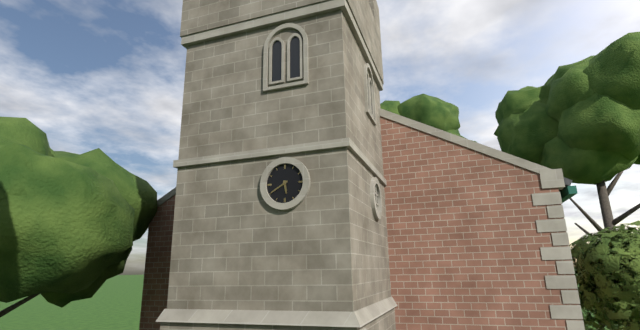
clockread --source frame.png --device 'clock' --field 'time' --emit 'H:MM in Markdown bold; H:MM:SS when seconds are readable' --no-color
**5:40**
